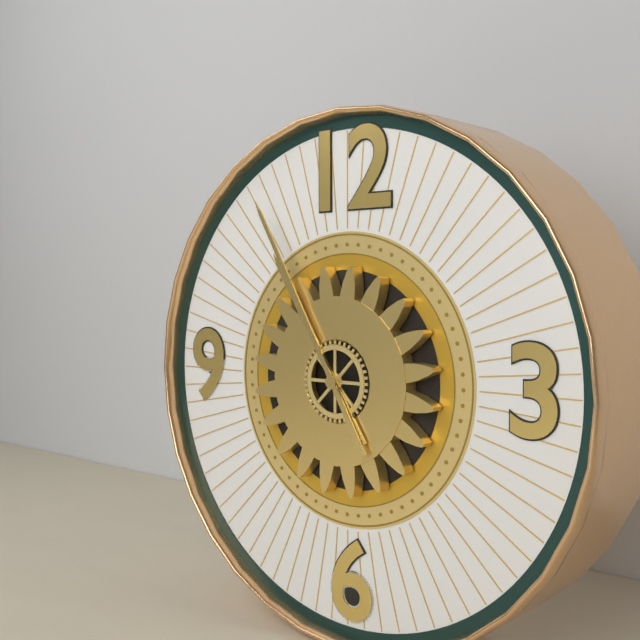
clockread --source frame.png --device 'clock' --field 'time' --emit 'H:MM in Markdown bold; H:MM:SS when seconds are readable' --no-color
**10:55**
